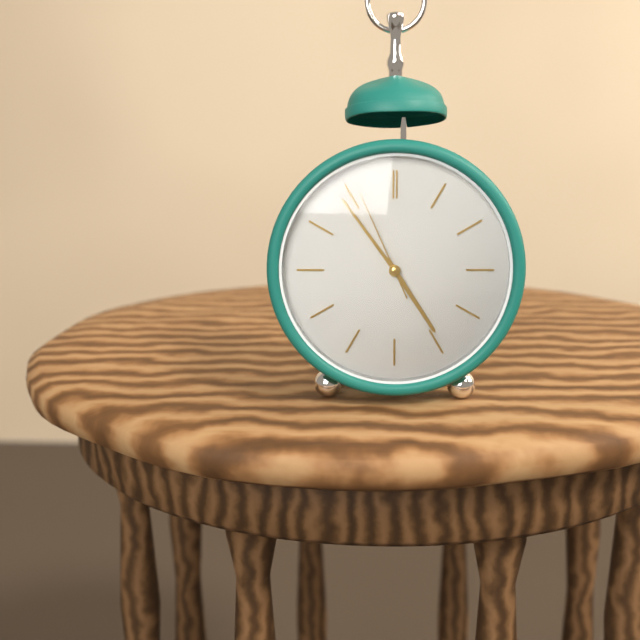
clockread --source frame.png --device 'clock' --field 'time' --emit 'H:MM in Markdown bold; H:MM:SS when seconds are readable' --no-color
**4:54:56**
